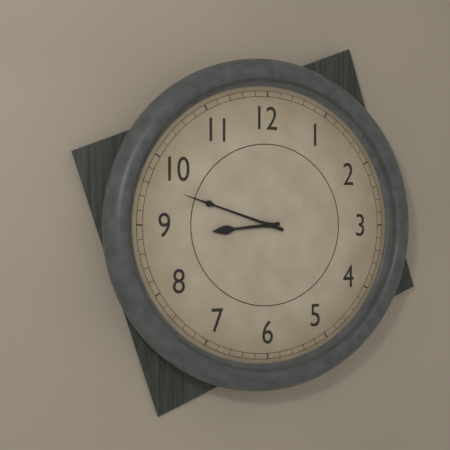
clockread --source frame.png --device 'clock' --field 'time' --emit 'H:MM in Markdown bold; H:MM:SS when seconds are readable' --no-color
**8:48**
